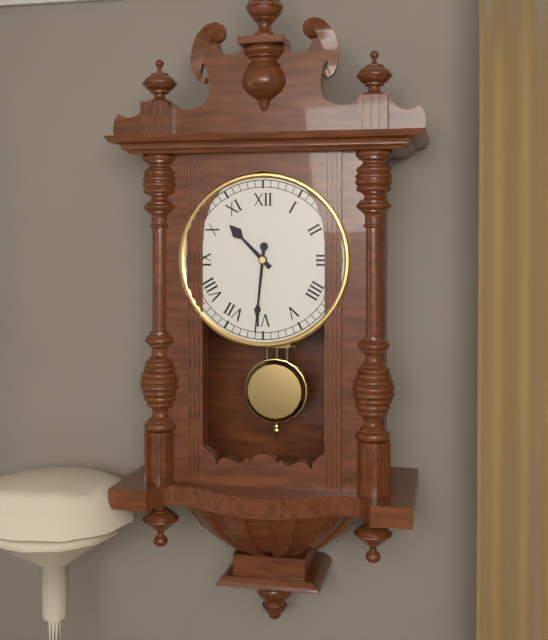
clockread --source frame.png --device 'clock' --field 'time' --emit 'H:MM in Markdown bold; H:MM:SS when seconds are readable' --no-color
**10:31**
